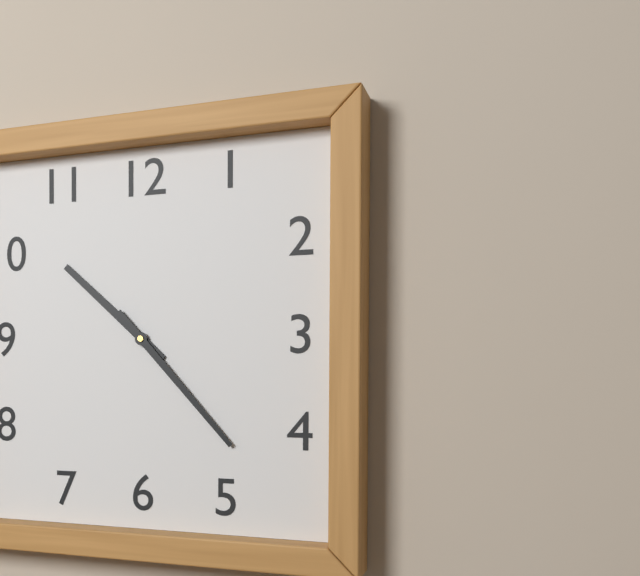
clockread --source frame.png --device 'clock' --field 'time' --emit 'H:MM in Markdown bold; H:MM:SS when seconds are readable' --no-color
**10:23**
